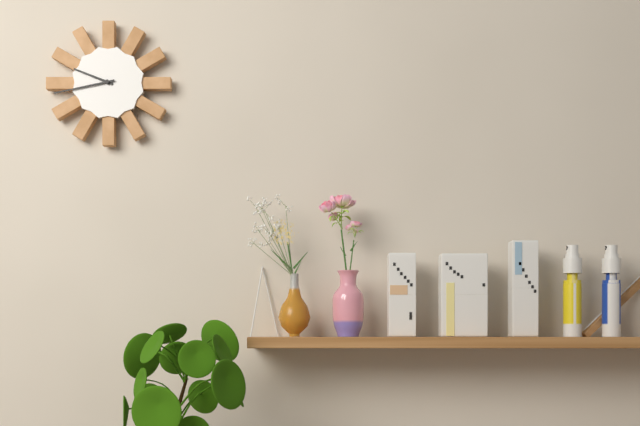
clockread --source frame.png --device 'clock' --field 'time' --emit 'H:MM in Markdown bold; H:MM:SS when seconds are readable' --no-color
**9:43**
